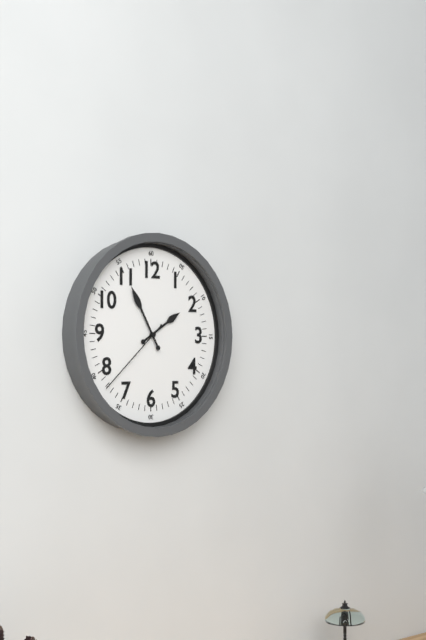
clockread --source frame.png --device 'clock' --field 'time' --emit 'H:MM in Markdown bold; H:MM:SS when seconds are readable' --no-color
**1:55:38**
